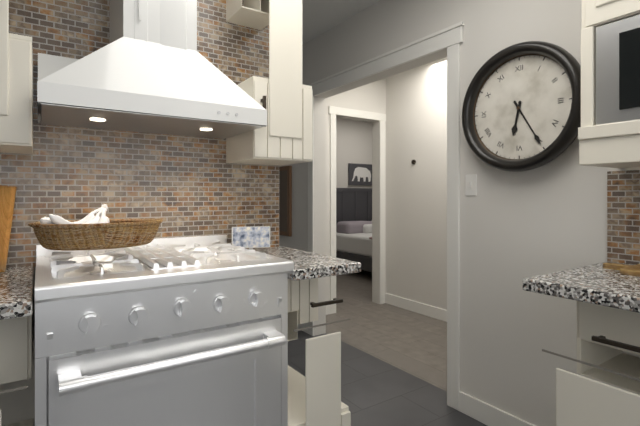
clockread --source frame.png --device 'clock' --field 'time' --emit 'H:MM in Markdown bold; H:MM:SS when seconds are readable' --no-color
**6:25**
